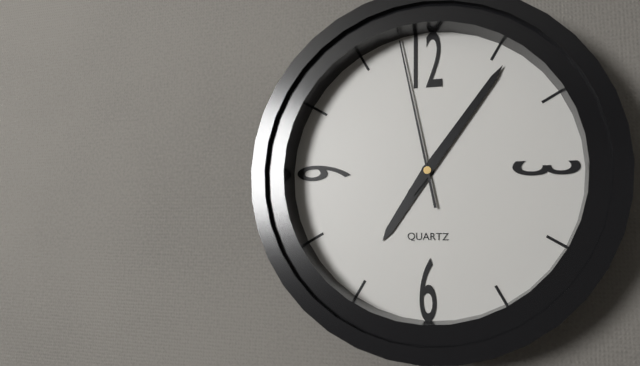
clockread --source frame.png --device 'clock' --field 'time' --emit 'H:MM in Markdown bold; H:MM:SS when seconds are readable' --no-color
**7:06:58**
